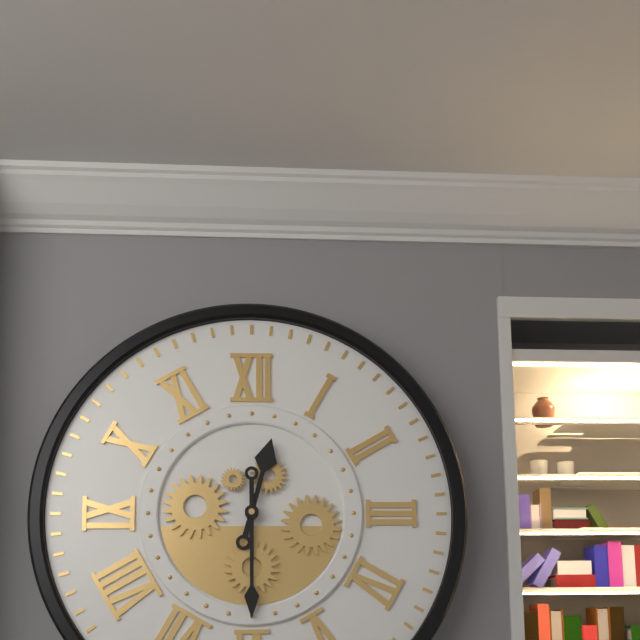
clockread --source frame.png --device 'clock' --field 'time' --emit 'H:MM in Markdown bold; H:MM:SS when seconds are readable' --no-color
**12:30**
